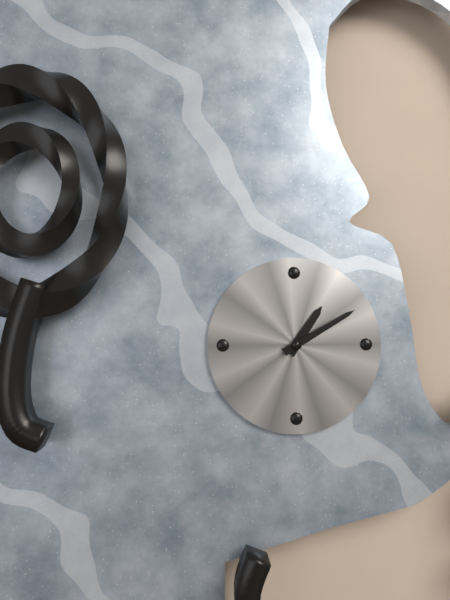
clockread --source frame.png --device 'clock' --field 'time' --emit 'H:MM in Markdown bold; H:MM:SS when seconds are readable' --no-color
**1:10**
